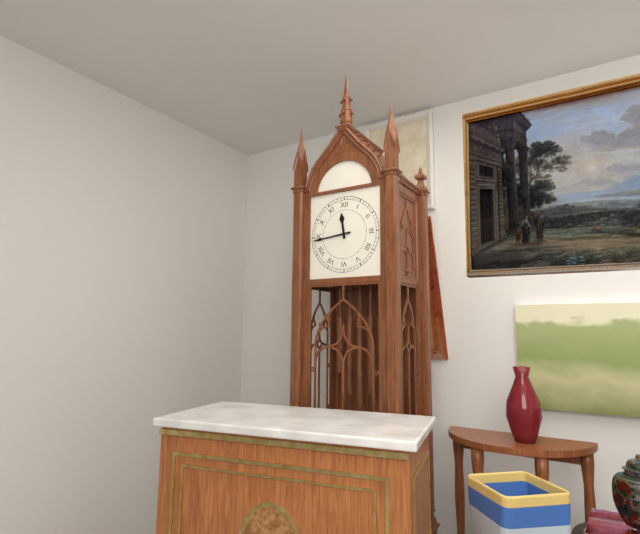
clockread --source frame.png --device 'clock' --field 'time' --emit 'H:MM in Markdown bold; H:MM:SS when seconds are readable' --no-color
**11:44**
